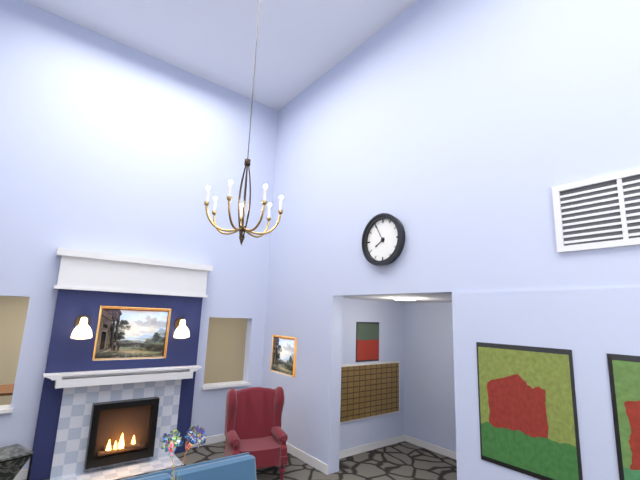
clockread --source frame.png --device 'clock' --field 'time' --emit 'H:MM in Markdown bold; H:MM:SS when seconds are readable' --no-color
**7:55**
